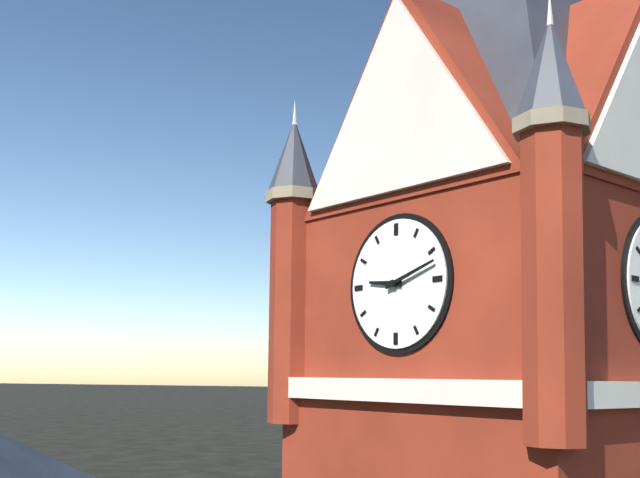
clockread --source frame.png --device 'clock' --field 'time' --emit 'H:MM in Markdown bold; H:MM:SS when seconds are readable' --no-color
**9:12**
